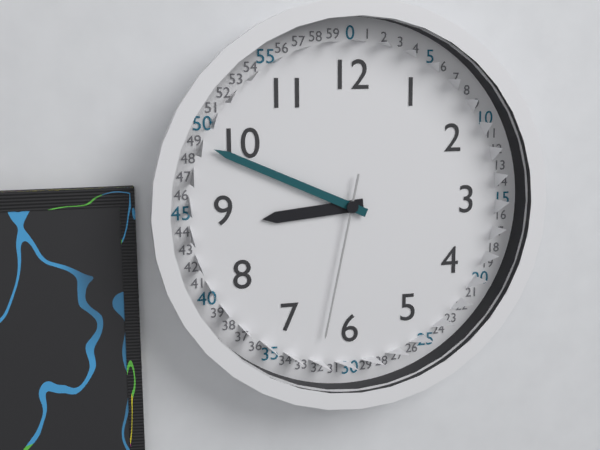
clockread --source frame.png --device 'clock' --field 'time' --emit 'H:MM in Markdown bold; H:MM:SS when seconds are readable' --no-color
**8:49:32**
